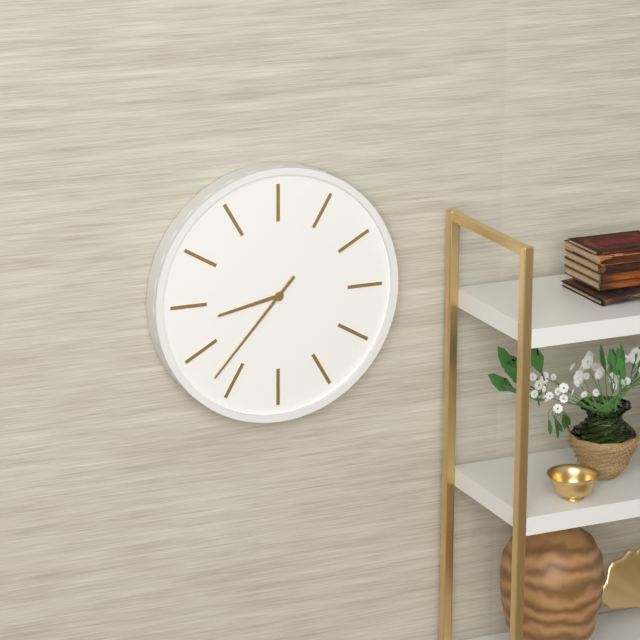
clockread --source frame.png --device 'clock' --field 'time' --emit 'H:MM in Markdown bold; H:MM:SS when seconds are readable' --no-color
**8:37**
